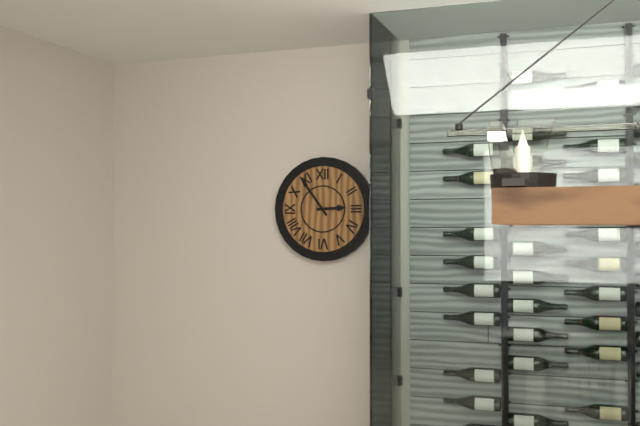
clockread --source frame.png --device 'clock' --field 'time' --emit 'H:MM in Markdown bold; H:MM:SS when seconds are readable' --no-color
**2:54**
